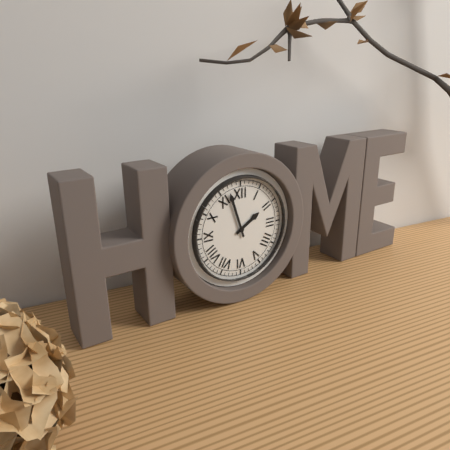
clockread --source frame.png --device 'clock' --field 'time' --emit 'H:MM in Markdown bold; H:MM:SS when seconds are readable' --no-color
**1:57**
